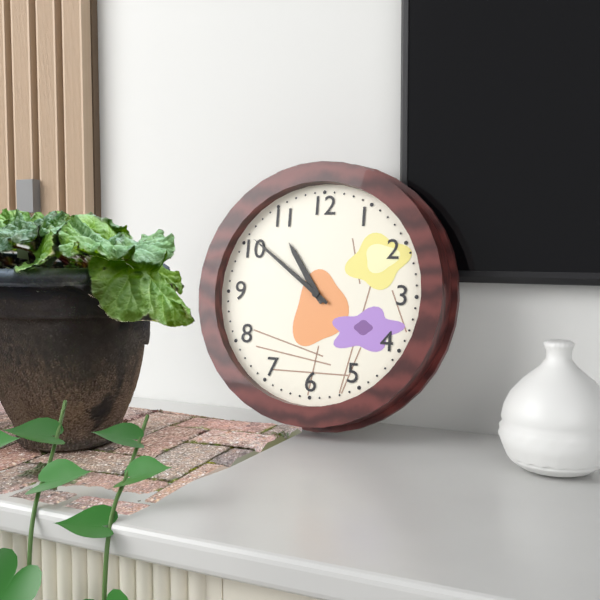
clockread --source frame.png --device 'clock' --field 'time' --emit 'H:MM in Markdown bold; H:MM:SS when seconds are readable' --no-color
**10:51**
